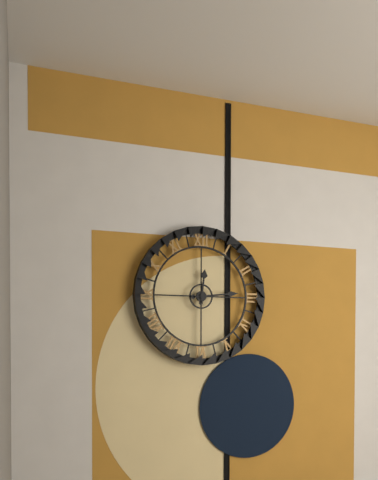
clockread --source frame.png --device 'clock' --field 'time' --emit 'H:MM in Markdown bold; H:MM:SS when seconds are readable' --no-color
**12:14**
